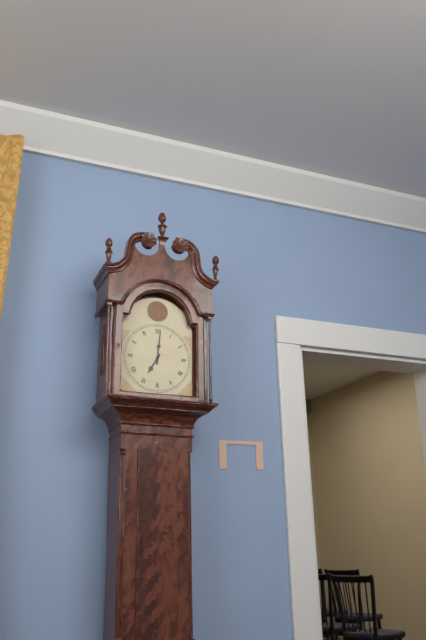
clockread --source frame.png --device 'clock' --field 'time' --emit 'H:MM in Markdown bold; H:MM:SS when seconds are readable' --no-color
**7:01**
